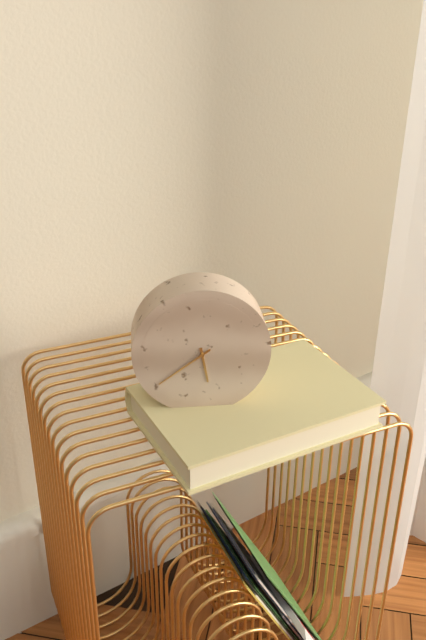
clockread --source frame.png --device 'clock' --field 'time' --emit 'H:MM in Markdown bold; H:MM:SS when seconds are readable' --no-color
**5:39**
